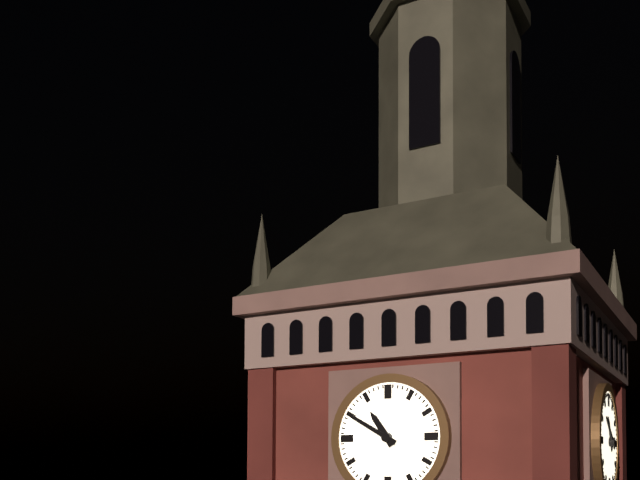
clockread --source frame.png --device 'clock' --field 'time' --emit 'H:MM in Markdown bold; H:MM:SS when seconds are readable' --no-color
**10:50**
